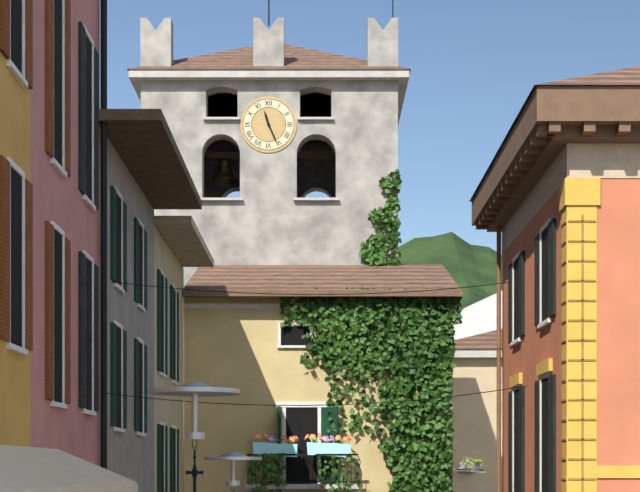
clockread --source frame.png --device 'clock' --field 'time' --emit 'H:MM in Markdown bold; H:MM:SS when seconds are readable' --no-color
**11:26**
